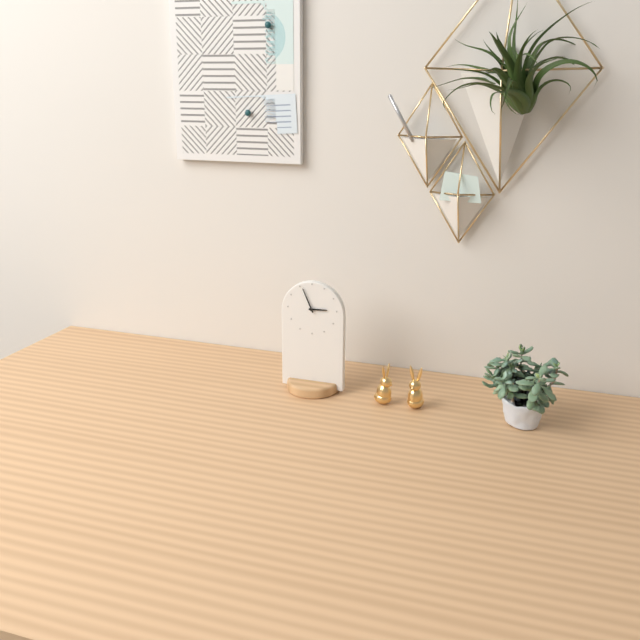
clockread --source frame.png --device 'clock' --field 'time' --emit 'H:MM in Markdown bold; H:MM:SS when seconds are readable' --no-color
**2:56**
